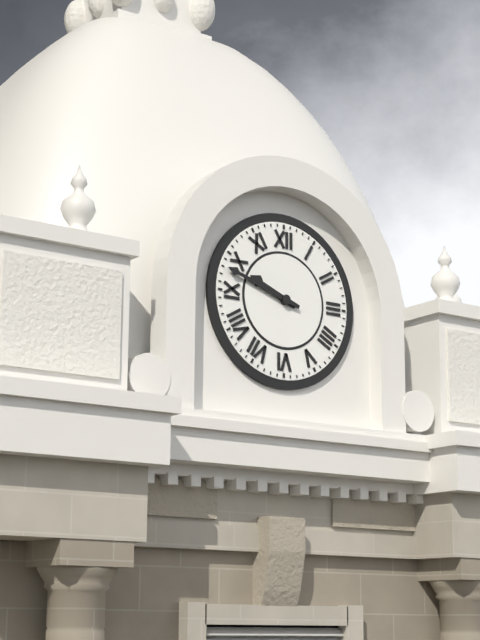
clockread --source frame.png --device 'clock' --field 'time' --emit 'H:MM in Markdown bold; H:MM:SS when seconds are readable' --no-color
**9:48**
